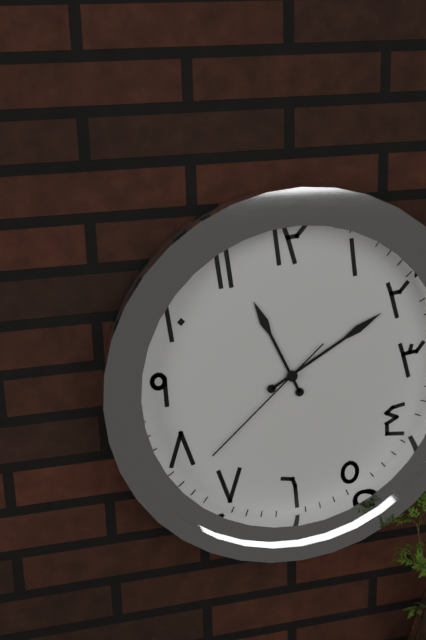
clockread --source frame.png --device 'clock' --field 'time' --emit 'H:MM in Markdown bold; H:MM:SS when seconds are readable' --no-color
**11:10:38**
